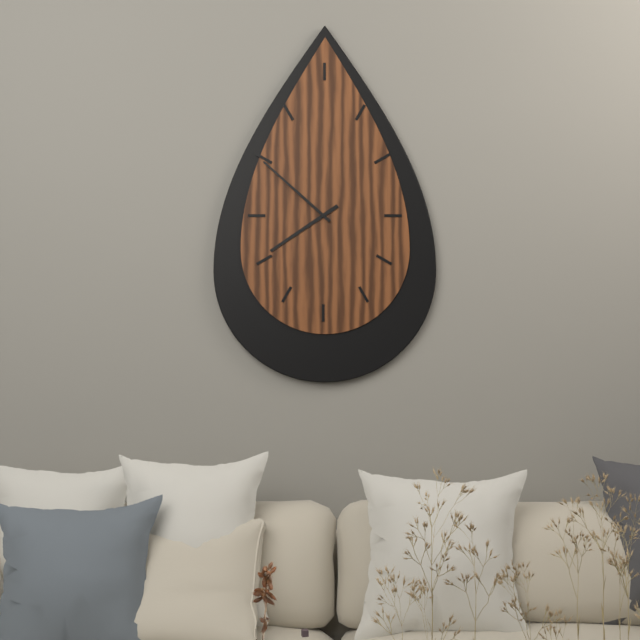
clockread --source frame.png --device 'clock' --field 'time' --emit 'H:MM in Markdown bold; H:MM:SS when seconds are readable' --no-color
**7:52**
